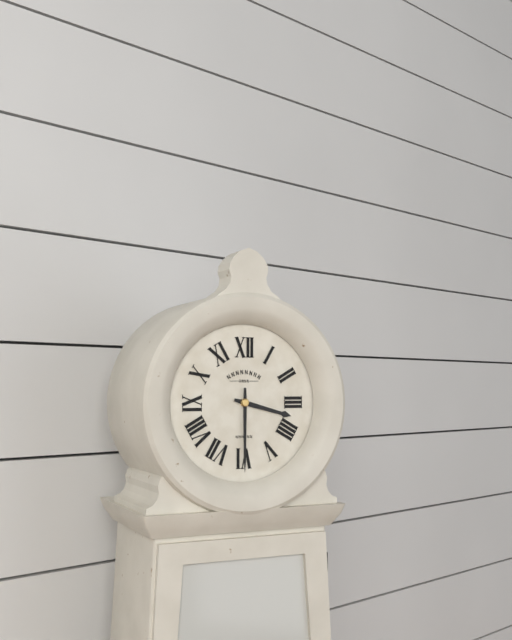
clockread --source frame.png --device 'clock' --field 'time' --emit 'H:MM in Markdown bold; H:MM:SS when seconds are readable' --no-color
**3:30**
